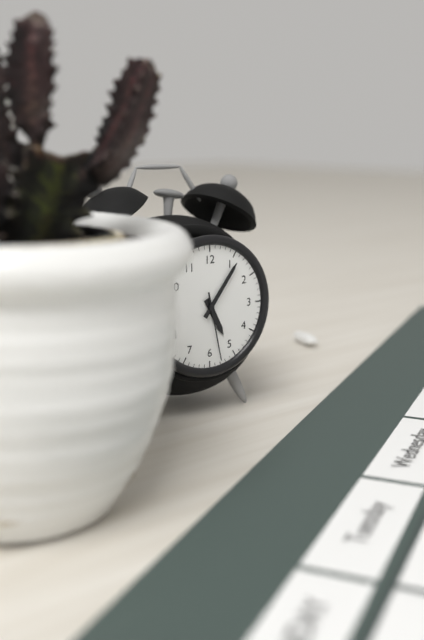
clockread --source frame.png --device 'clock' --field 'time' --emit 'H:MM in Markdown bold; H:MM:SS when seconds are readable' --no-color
**5:06:28**
